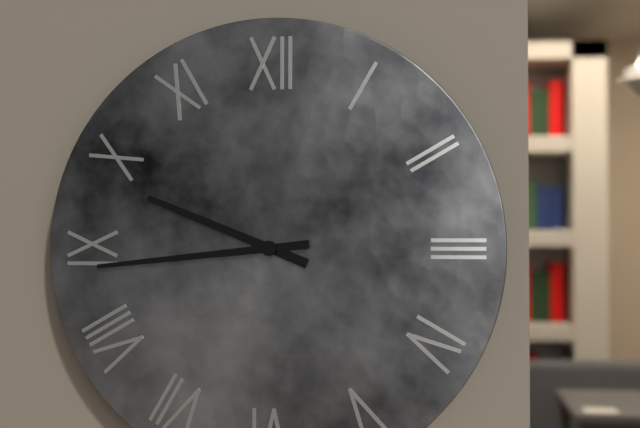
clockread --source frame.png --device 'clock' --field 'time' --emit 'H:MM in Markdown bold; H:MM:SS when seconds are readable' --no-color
**9:44**
